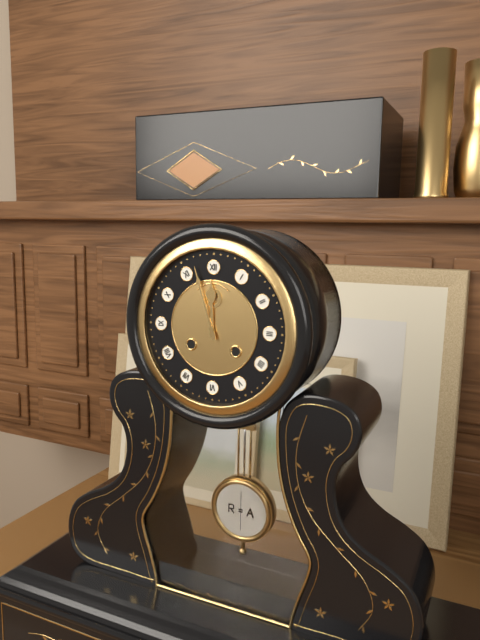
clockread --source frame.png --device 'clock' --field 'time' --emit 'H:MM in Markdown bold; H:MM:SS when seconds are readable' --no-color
**11:57**
